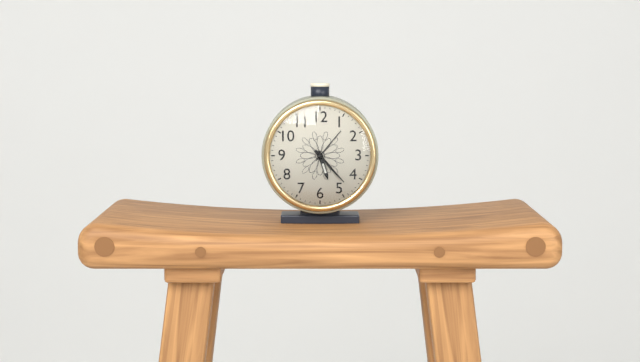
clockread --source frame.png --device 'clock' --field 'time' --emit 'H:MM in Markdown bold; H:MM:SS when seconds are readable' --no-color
**5:23**
